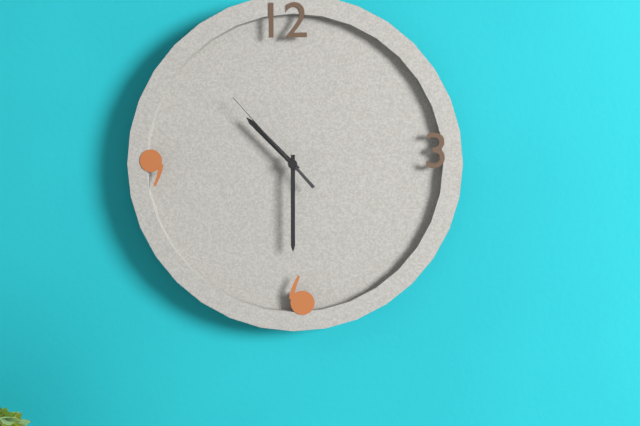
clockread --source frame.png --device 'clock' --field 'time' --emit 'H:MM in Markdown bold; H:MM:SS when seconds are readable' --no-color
**10:30:53**
